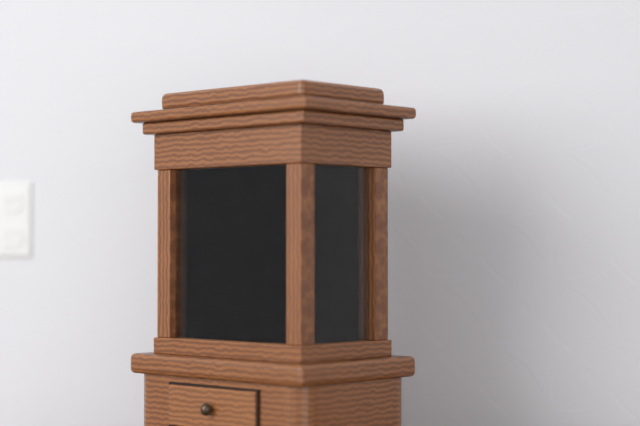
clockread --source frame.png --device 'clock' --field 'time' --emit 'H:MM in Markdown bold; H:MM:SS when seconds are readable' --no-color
**9:06**
